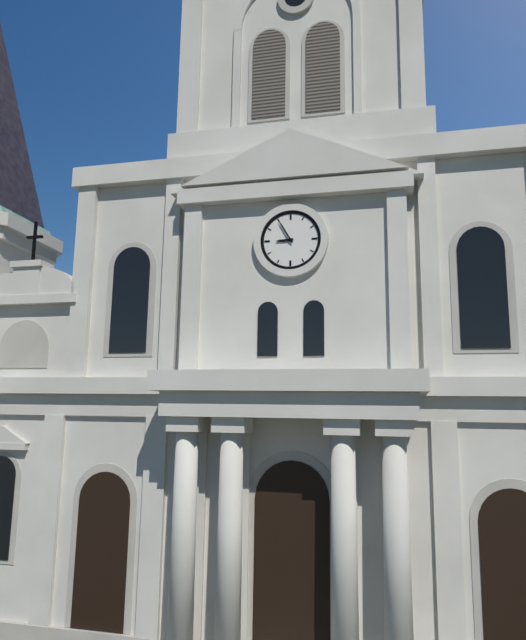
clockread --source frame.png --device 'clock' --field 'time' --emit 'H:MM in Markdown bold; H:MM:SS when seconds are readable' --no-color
**8:55**
